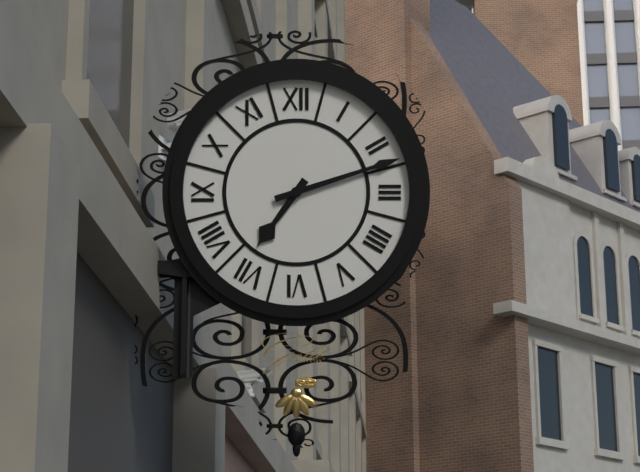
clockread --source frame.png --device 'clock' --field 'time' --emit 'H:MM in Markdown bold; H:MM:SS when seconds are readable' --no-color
**7:12**
